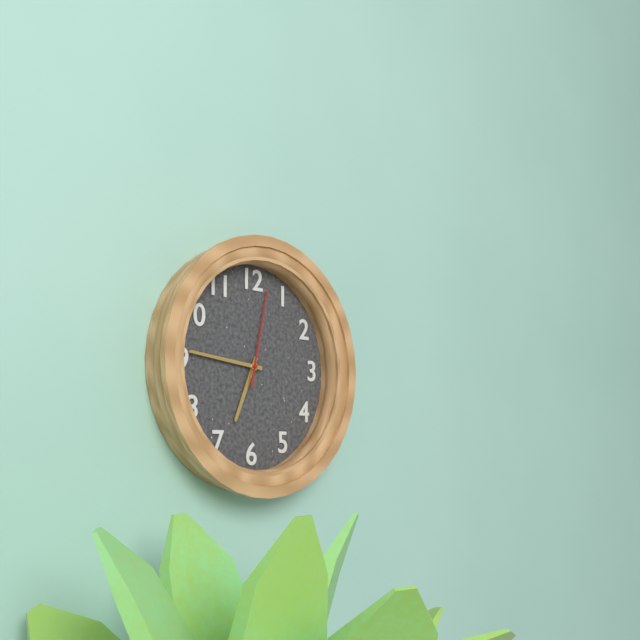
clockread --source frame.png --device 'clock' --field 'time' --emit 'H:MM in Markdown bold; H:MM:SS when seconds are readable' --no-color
**6:46:02**
